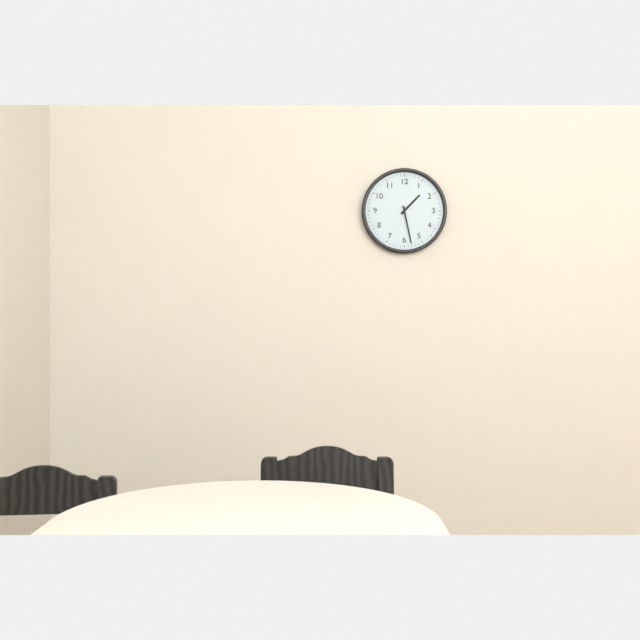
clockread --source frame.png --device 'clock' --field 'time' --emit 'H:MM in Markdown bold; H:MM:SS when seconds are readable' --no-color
**1:28**
